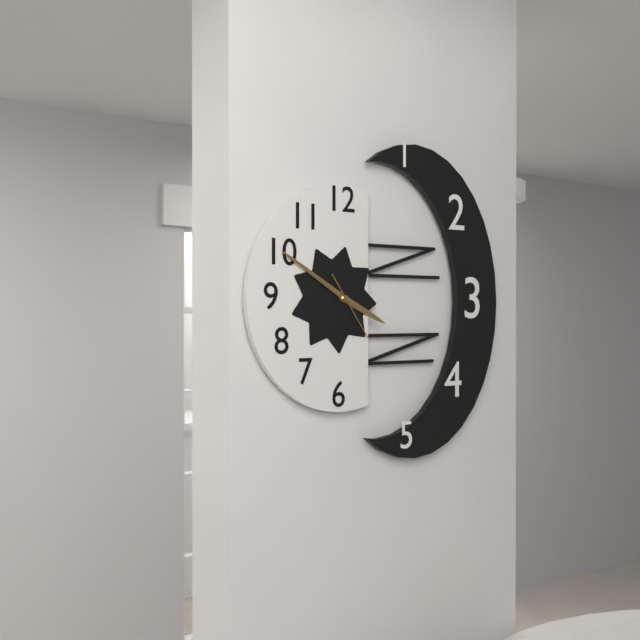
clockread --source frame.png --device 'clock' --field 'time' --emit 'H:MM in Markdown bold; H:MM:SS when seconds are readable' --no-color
**3:50:24**
